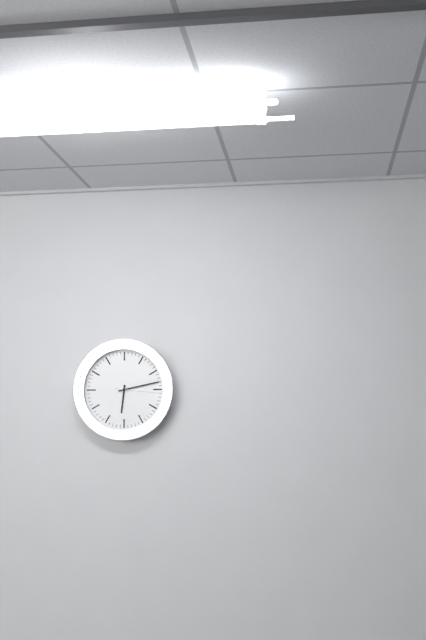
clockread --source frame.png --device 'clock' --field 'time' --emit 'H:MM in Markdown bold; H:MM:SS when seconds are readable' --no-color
**6:13**
